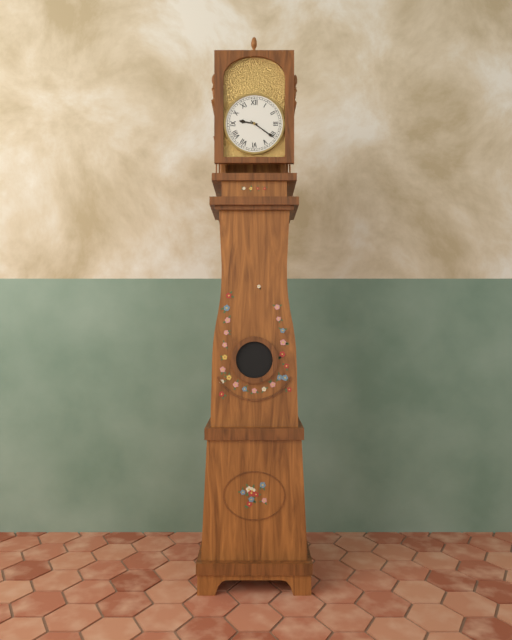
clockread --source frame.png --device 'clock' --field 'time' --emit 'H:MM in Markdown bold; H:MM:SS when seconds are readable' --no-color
**9:21**
